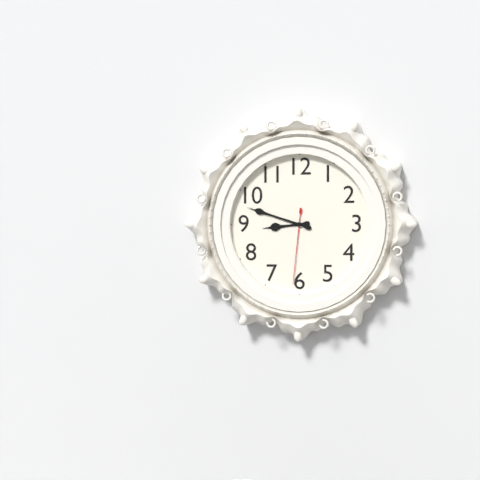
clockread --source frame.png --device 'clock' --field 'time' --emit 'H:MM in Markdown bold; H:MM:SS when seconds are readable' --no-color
**8:48:31**
